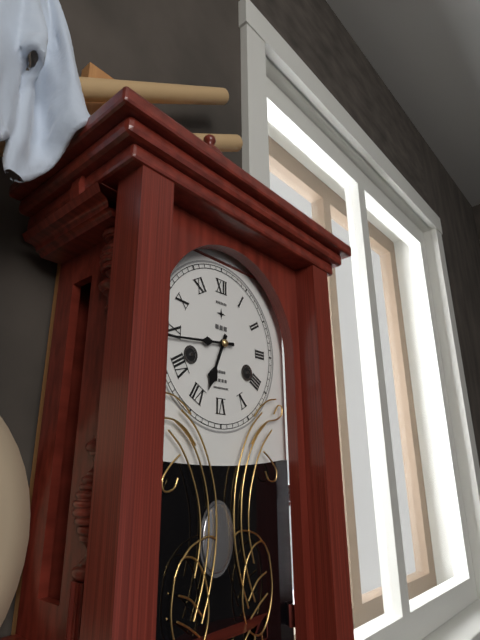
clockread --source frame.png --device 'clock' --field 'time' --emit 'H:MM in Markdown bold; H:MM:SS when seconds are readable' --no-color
**6:44**
